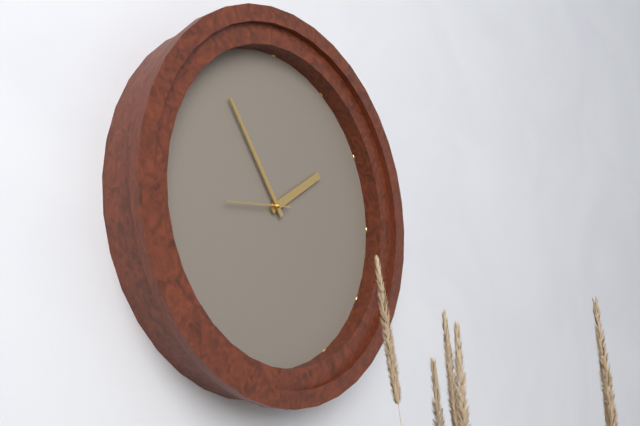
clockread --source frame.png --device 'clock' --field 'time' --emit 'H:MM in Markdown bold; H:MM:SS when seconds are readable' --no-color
**1:54:44**
